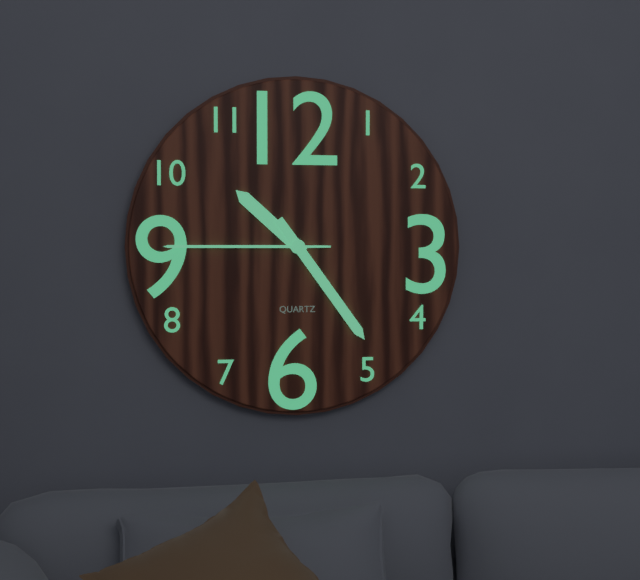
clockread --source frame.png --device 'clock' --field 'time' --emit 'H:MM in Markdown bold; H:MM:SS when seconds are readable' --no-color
**10:24:45**
